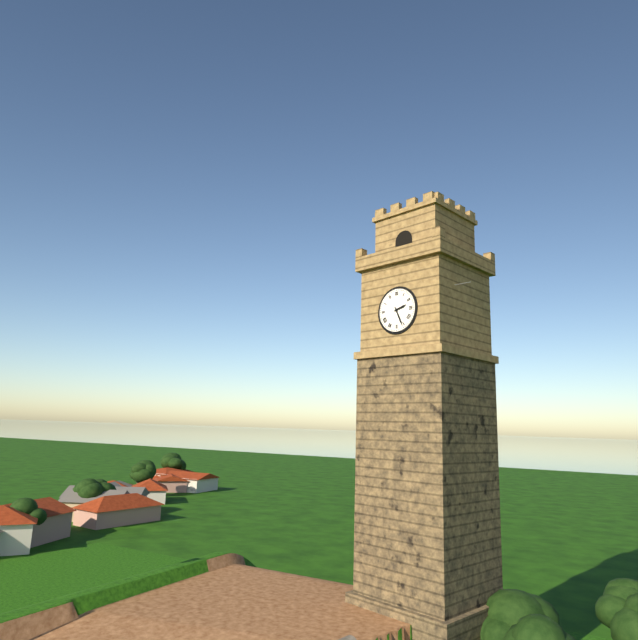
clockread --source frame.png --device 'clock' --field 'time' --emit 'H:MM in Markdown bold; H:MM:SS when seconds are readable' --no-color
**2:26**
